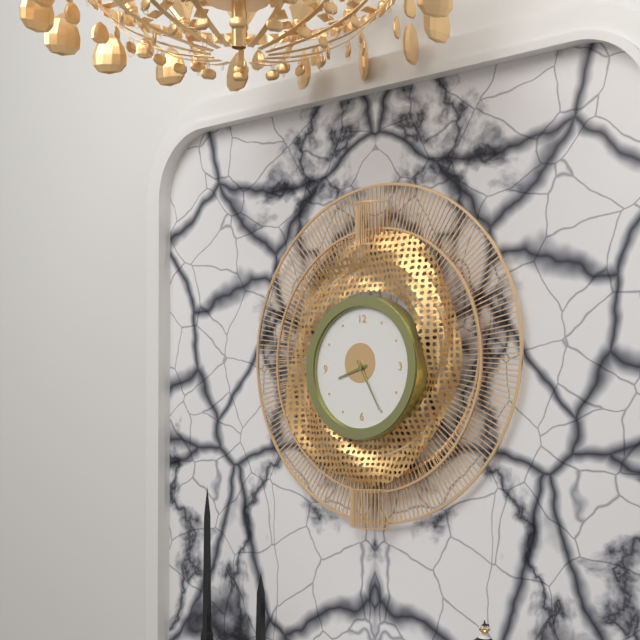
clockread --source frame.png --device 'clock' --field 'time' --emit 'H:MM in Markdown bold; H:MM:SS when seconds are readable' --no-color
**8:25**
